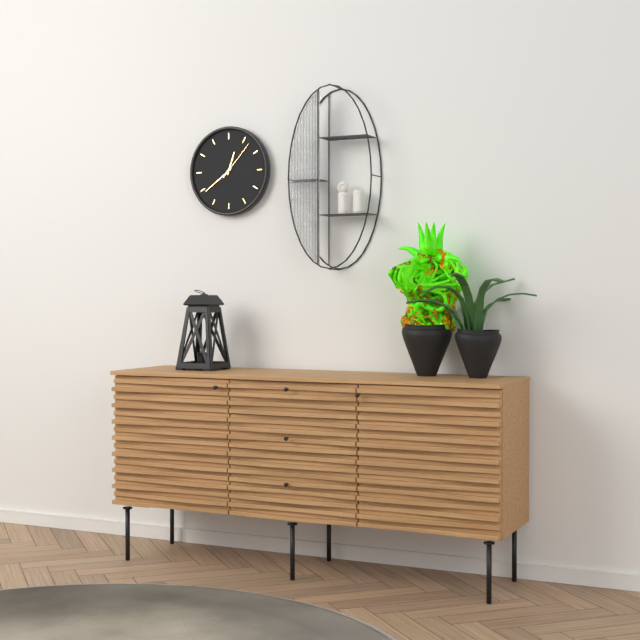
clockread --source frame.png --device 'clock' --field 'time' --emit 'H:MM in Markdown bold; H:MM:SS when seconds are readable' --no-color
**12:39**
